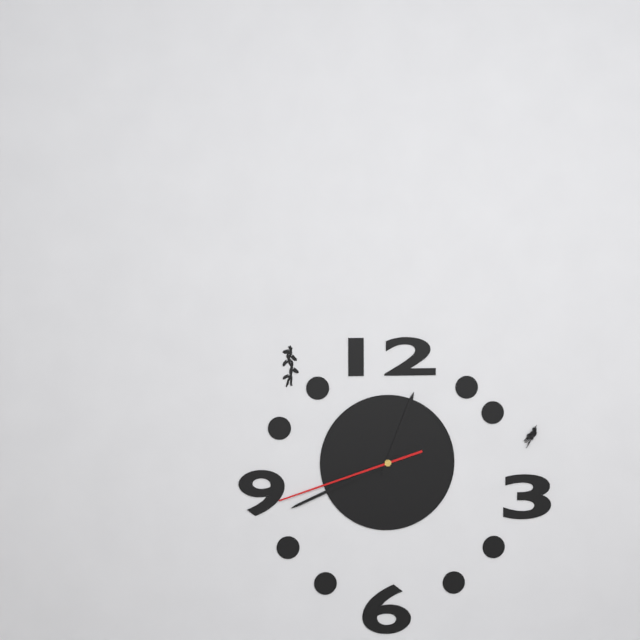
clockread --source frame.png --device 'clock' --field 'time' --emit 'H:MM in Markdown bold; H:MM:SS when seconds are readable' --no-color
**12:41:42**
